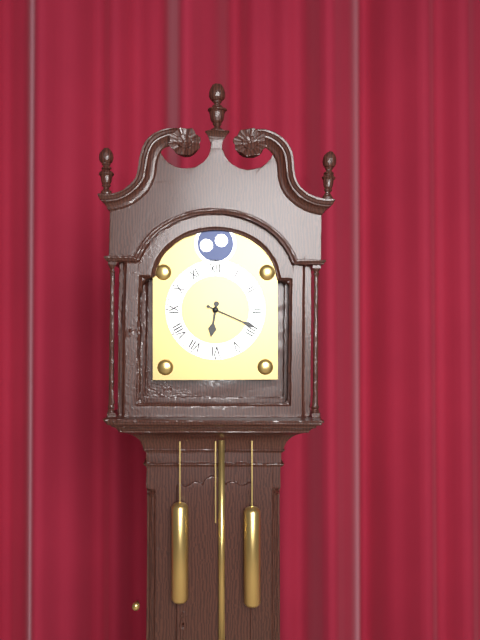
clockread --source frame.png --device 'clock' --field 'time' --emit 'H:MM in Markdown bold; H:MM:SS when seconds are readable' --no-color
**6:19**
